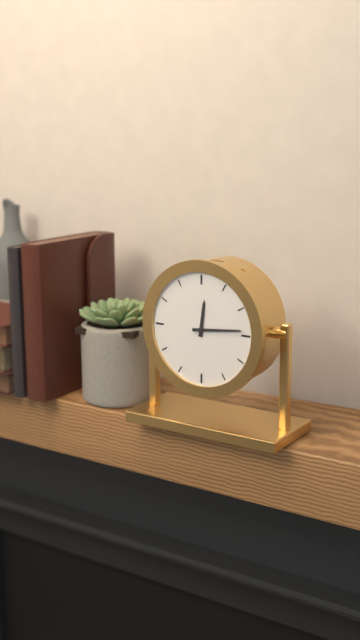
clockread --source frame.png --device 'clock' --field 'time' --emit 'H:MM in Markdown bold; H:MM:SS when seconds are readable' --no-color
**12:14**
